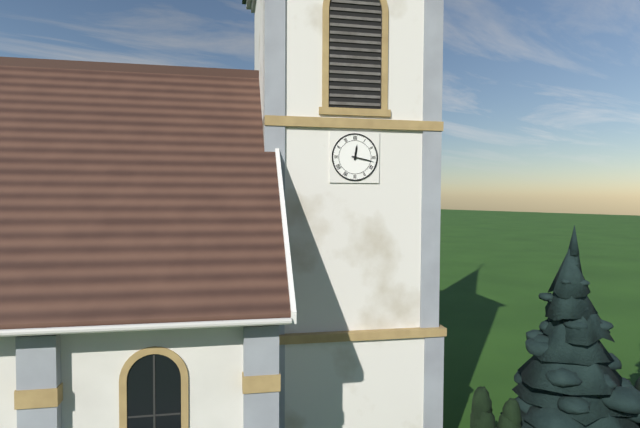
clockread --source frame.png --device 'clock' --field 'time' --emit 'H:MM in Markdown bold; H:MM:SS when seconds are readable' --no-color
**12:17**
